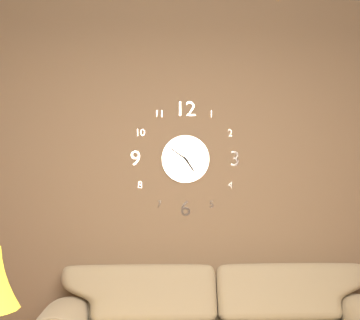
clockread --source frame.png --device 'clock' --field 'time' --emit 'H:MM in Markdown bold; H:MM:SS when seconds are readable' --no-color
**4:51**
